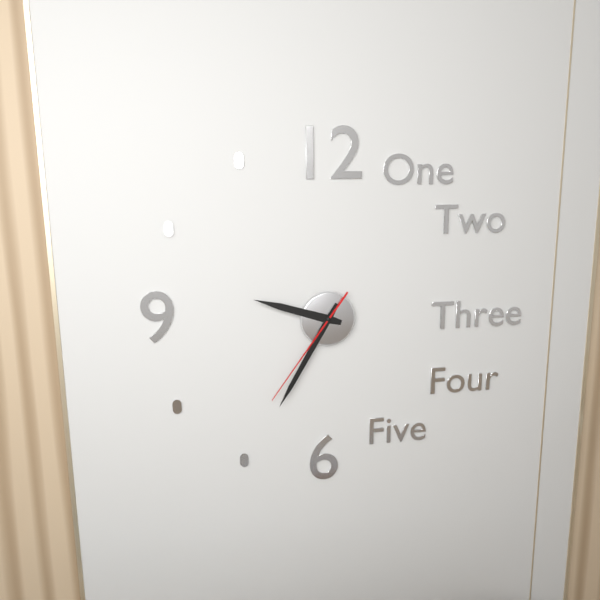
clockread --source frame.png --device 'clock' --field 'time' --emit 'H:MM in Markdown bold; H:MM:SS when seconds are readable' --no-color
**9:35:36**
